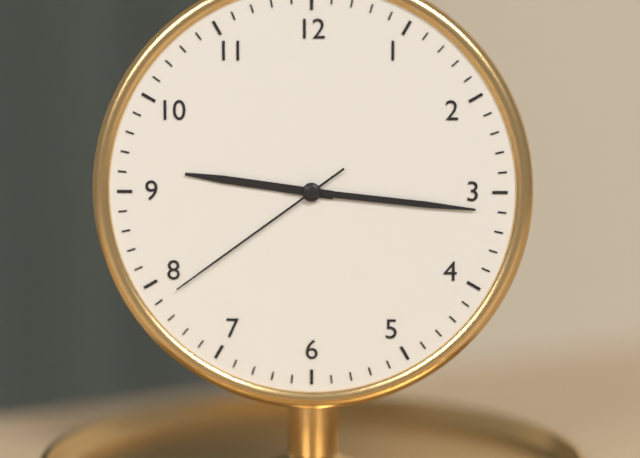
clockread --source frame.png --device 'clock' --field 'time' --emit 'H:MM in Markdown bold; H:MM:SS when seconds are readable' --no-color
**9:16:39**
